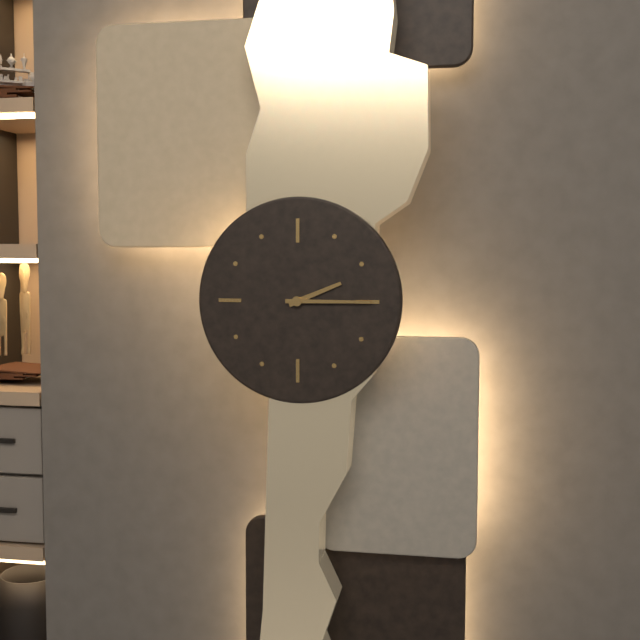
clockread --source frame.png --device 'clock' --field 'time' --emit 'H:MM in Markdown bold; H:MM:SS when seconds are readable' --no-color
**2:15**
